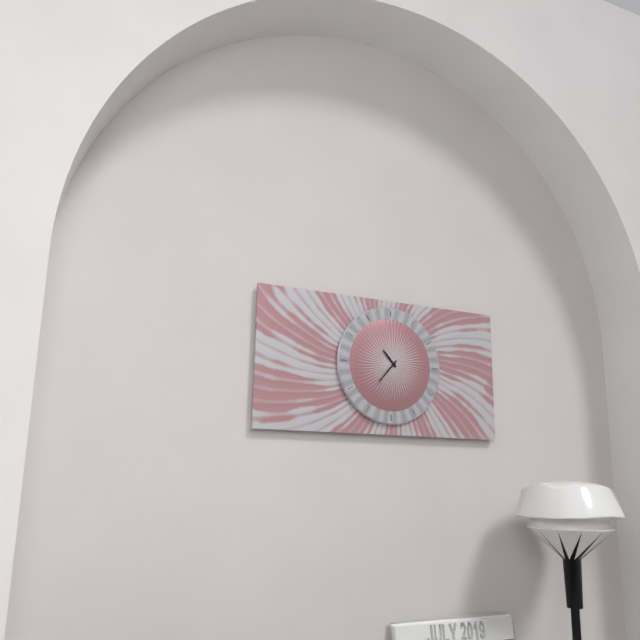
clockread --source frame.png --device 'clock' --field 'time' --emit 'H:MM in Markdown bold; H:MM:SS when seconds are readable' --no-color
**10:37**
